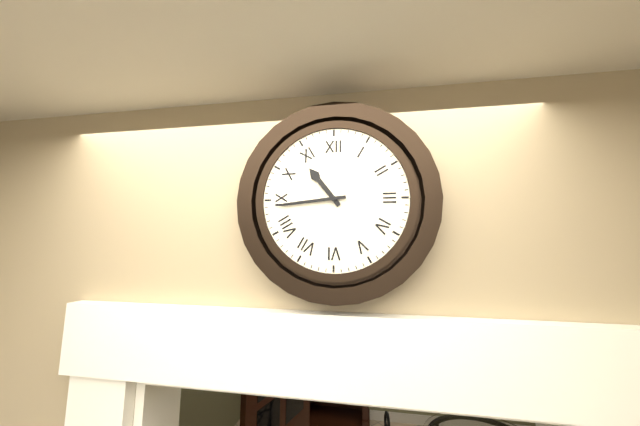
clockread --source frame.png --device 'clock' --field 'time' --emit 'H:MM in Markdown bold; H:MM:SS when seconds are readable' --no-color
**10:44**
